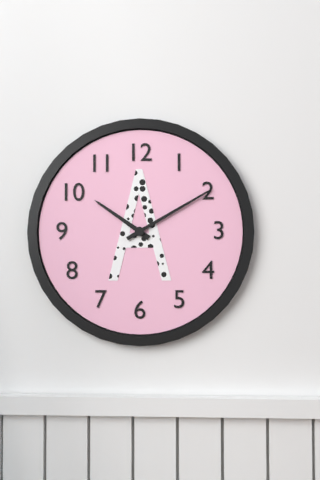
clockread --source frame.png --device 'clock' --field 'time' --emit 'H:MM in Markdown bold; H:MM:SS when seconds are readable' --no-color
**10:10**
